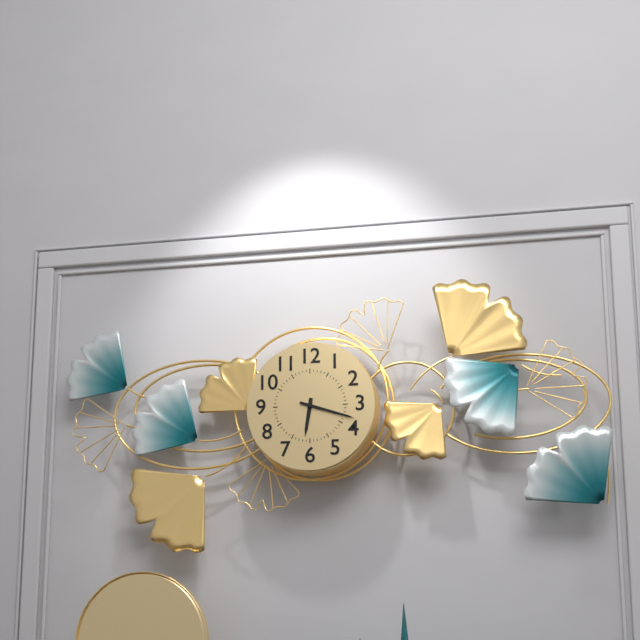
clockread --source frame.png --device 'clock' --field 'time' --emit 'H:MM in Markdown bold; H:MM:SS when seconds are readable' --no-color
**6:18**
